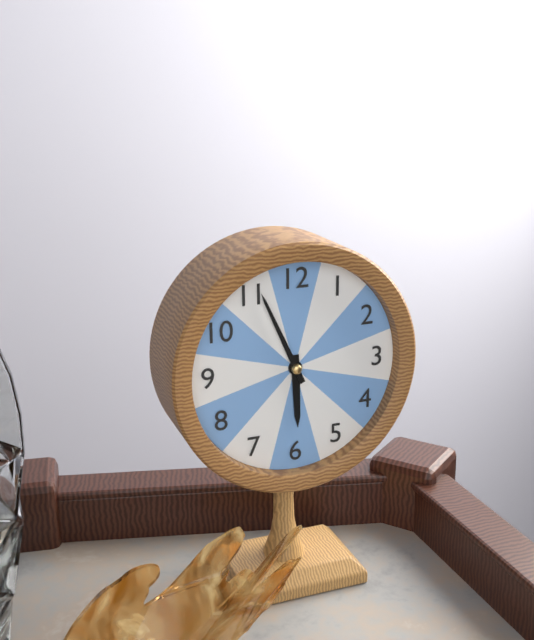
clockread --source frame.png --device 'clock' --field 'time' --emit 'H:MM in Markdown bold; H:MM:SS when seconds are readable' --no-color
**5:56**
